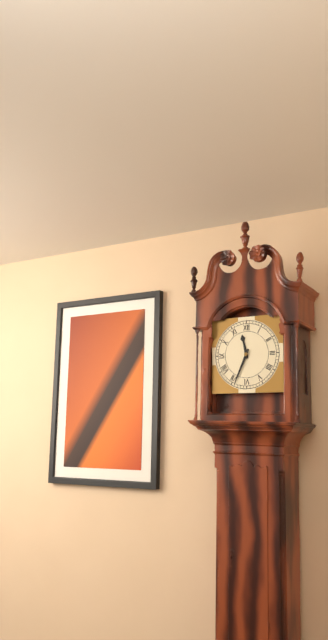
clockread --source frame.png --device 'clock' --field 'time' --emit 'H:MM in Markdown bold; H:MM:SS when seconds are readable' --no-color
**11:34**
